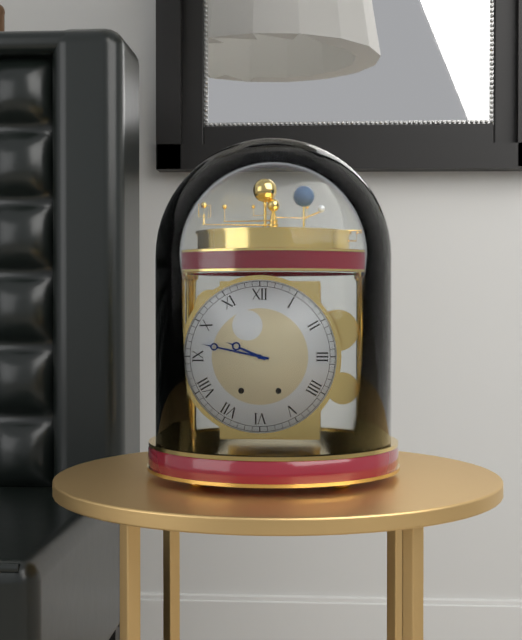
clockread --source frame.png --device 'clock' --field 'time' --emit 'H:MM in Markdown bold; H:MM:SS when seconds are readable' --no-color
**9:47**
